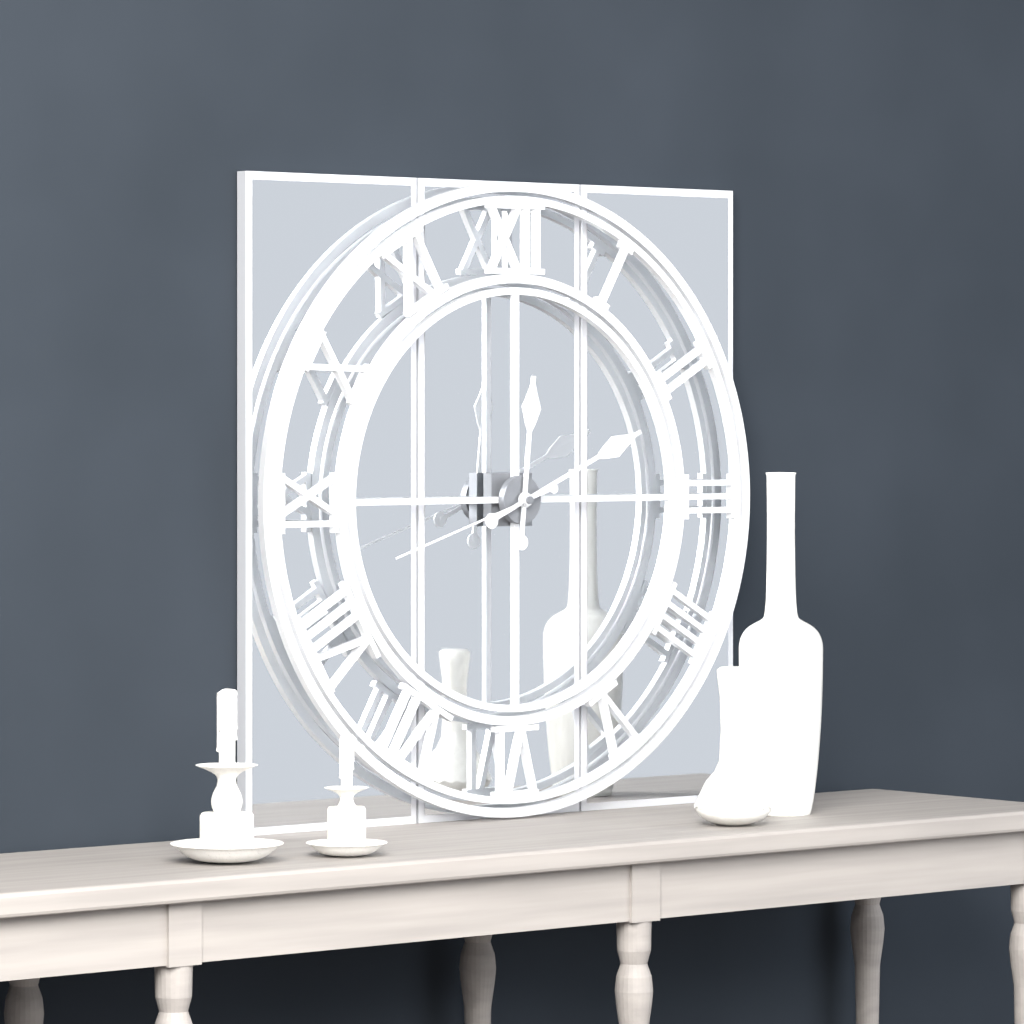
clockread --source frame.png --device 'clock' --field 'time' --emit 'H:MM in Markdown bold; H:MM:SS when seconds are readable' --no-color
**12:11:42**
